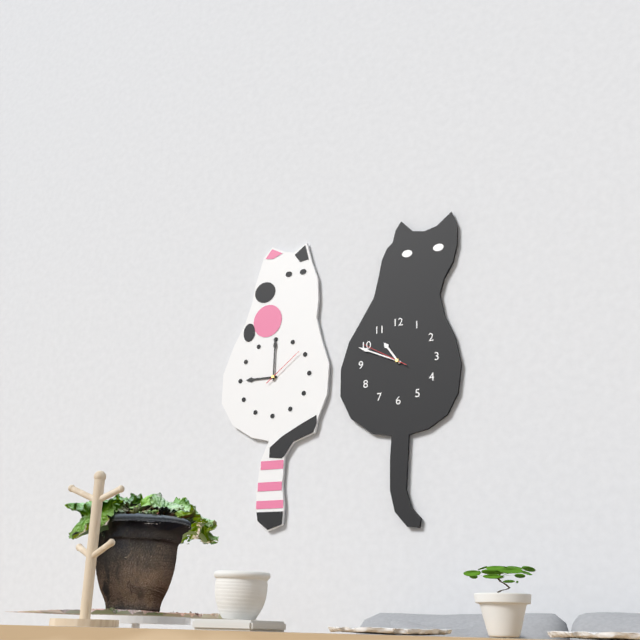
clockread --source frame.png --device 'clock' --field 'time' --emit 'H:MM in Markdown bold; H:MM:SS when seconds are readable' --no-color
**10:49**
